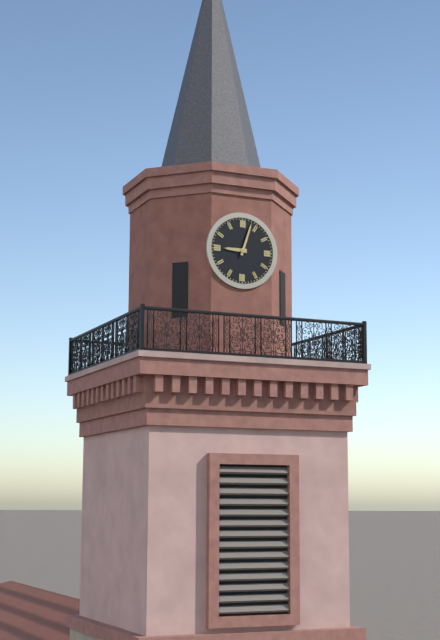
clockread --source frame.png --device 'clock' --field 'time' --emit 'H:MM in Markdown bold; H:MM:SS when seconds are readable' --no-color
**9:03**
